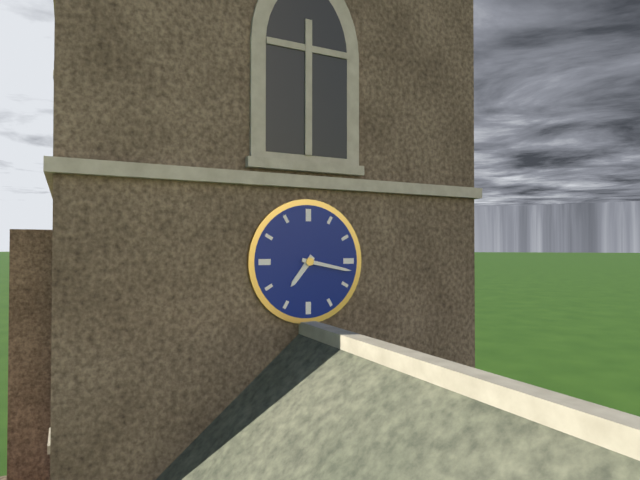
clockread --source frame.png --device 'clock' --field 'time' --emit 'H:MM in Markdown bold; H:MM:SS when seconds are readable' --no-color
**7:17**
